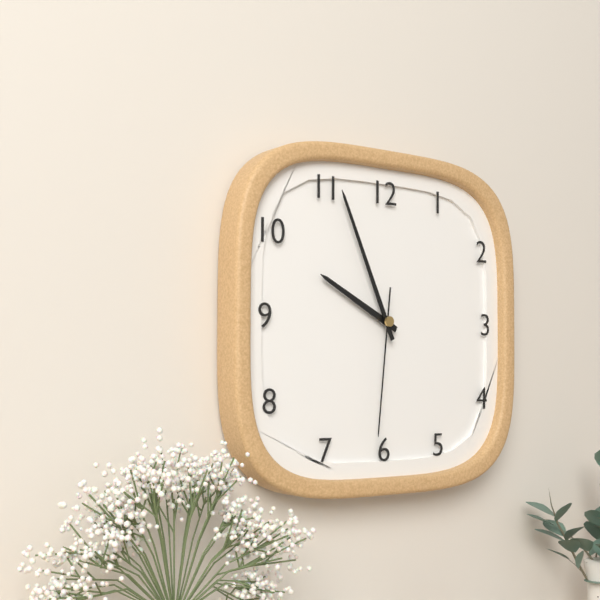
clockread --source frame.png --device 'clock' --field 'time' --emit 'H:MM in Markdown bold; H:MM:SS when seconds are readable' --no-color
**9:56:31**
